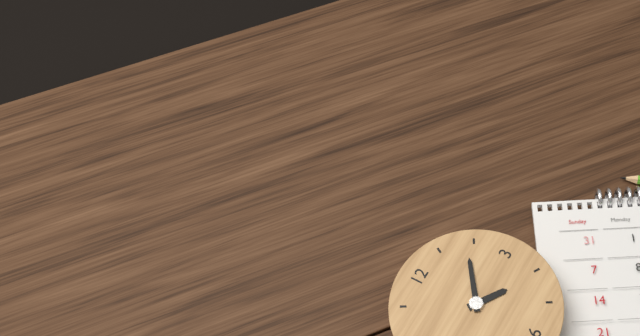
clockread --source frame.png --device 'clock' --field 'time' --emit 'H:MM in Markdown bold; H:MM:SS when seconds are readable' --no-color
**4:09**
